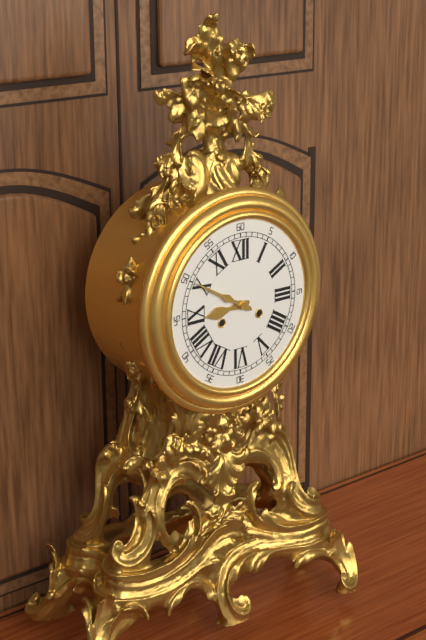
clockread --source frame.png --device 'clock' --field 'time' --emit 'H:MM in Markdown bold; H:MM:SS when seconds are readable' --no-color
**8:50**
